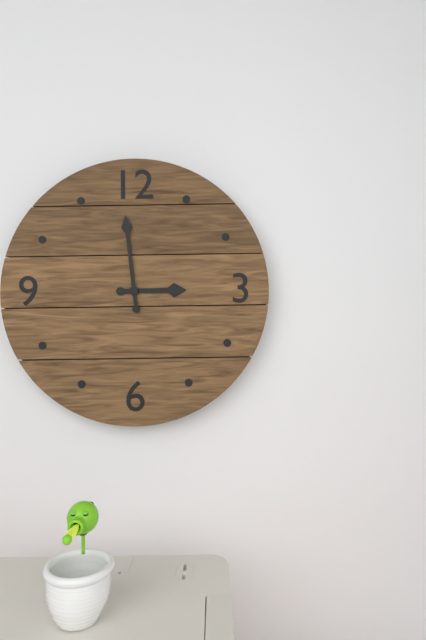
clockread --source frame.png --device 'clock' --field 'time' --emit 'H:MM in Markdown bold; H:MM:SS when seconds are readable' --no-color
**2:59**
